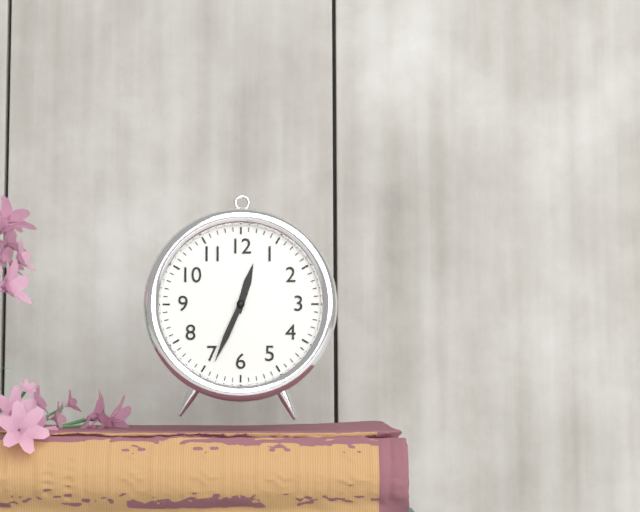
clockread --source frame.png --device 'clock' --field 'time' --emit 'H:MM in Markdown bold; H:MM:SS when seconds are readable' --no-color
**12:34**
